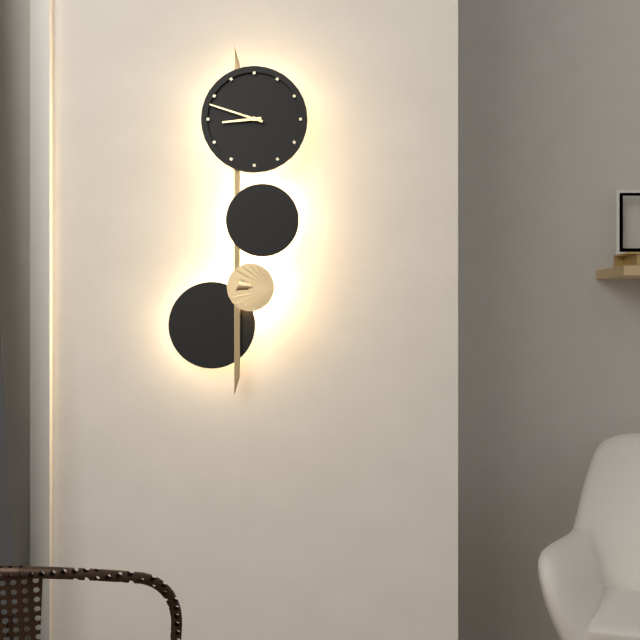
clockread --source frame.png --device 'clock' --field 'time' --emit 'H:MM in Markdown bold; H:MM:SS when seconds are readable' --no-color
**8:48**
